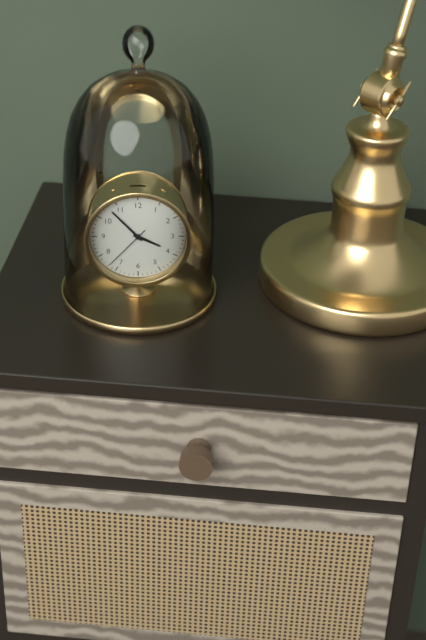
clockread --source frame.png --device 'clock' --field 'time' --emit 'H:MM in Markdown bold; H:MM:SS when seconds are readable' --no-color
**3:53:37**
